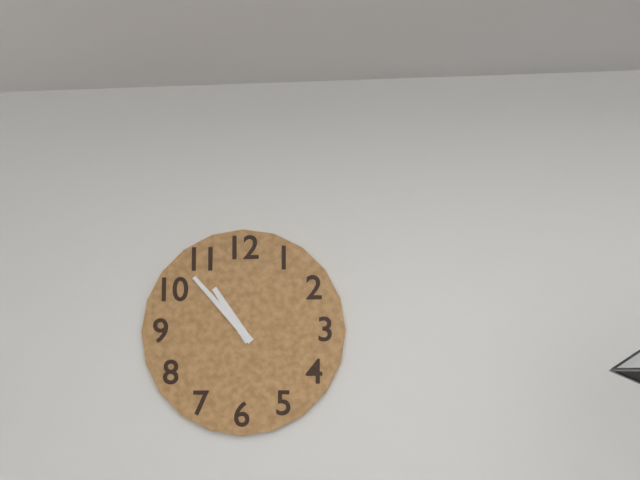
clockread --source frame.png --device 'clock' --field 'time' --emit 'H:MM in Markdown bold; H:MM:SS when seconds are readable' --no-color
**10:53**
